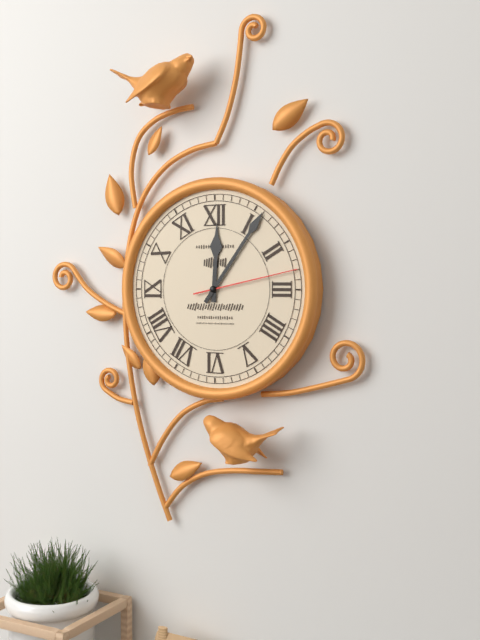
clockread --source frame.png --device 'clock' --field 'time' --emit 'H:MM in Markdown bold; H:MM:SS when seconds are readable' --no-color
**12:06:13**
